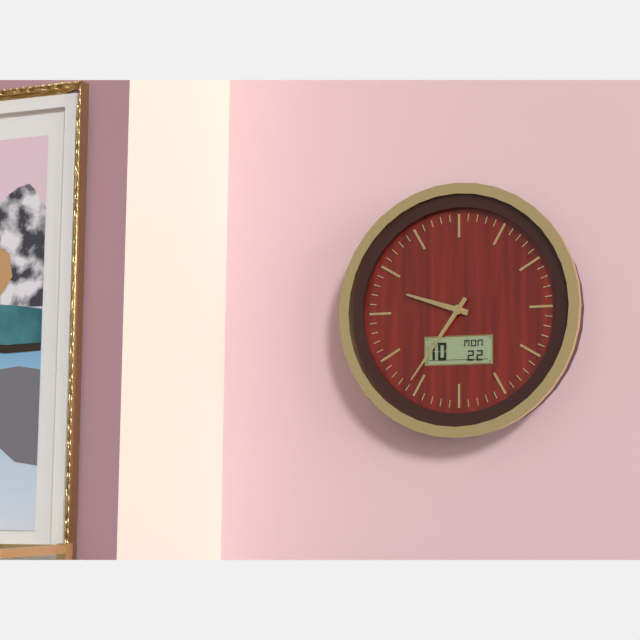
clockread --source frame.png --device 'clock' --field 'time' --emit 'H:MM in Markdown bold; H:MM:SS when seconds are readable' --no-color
**9:36**
